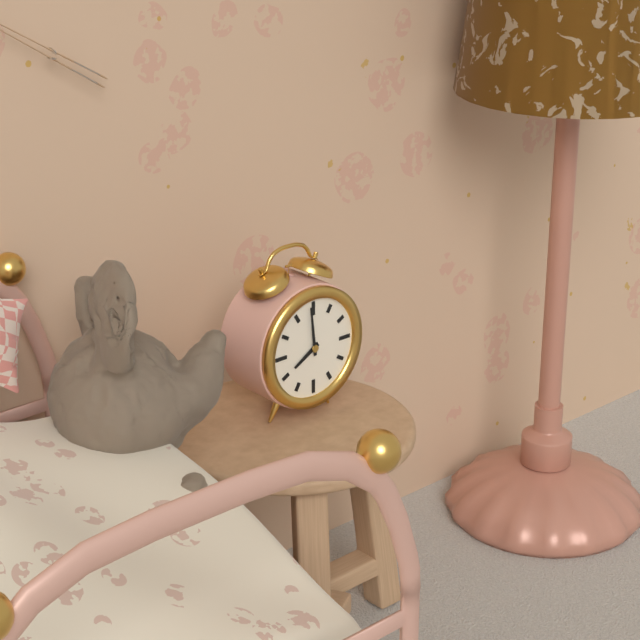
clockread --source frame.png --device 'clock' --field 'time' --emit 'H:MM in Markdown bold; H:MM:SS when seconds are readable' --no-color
**7:59**
